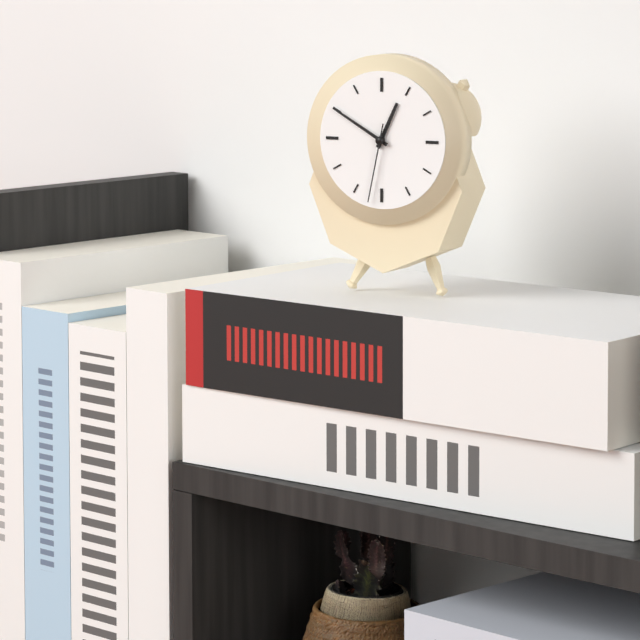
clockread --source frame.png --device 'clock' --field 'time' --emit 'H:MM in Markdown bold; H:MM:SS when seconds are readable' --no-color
**12:50:32**
